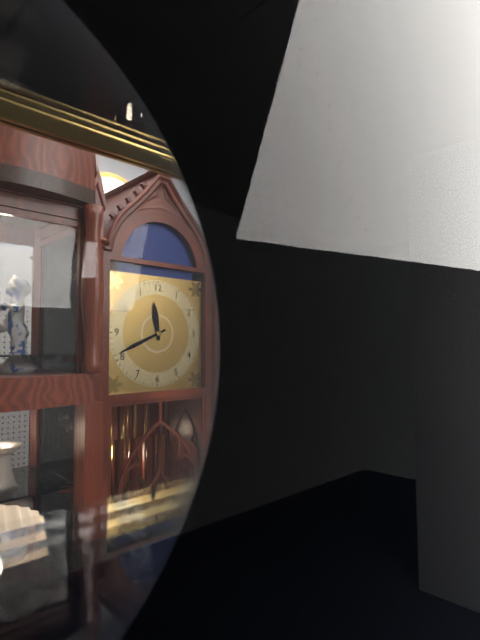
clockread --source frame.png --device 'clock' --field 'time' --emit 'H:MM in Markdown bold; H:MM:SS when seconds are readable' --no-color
**11:41**
